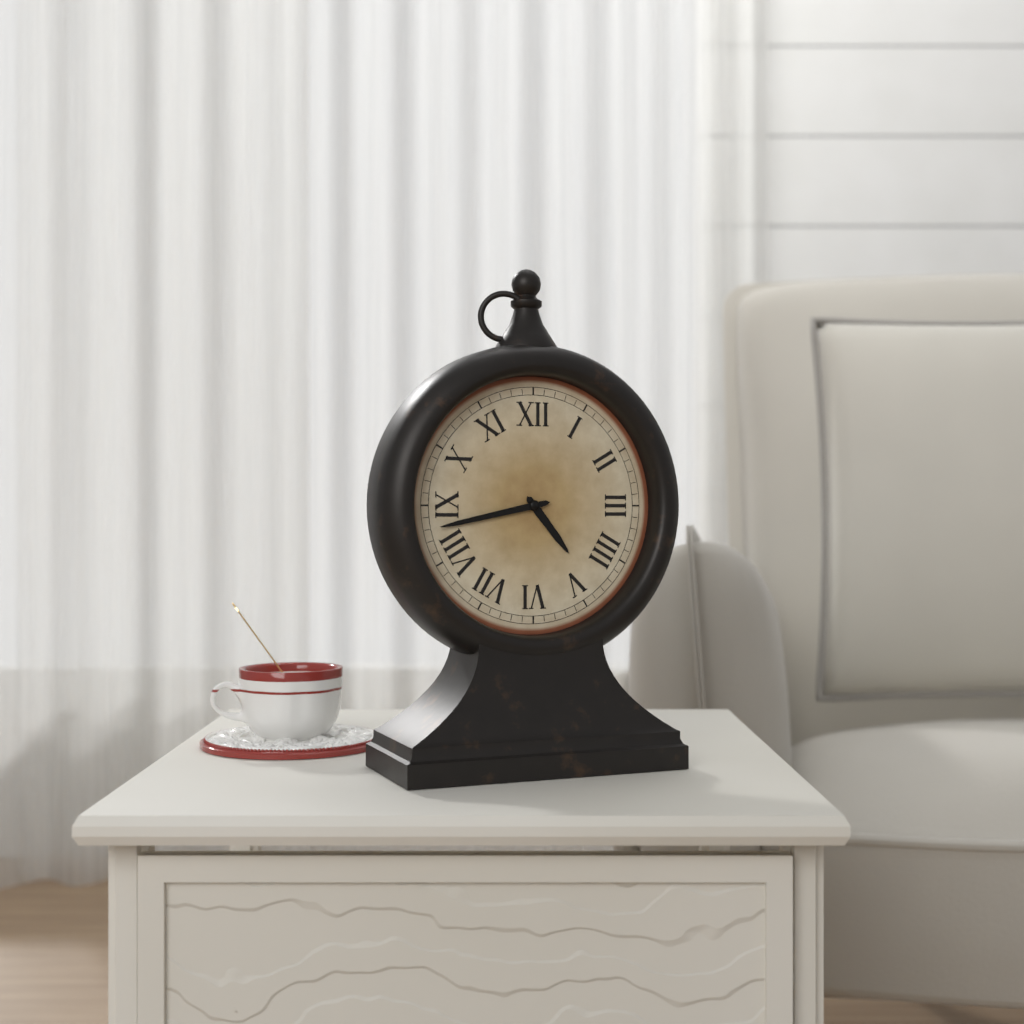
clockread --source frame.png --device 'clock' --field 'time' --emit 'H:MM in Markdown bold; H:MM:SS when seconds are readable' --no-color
**4:43**
